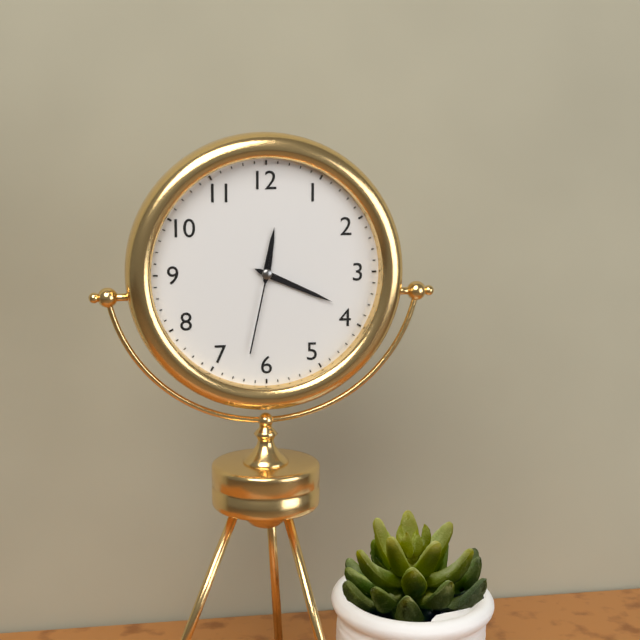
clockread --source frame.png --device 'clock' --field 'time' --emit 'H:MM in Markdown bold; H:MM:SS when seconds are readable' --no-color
**12:19:32**
